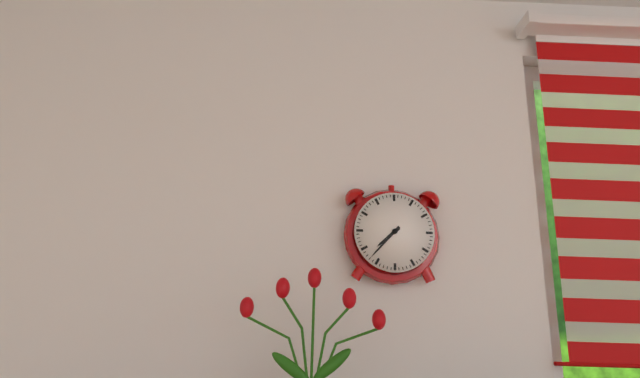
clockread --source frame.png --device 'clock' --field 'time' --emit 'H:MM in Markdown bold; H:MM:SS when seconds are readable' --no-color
**7:37**
